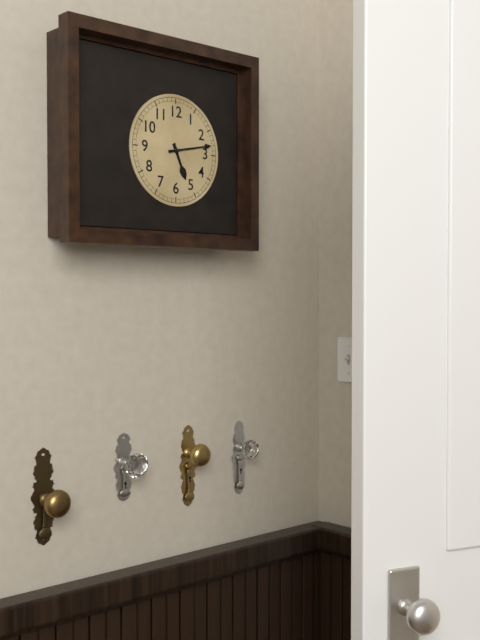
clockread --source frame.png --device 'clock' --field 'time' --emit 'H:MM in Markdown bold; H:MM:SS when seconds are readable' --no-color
**5:13**
